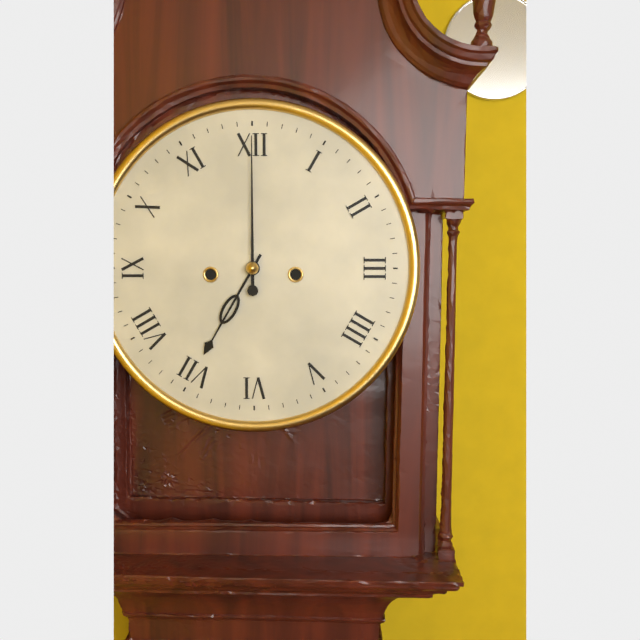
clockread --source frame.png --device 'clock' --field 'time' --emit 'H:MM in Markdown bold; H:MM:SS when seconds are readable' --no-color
**7:00**
